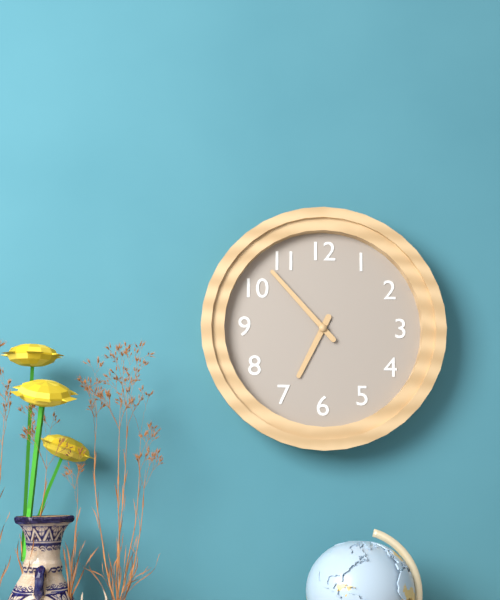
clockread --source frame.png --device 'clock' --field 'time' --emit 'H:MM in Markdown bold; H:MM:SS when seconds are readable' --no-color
**6:53**
